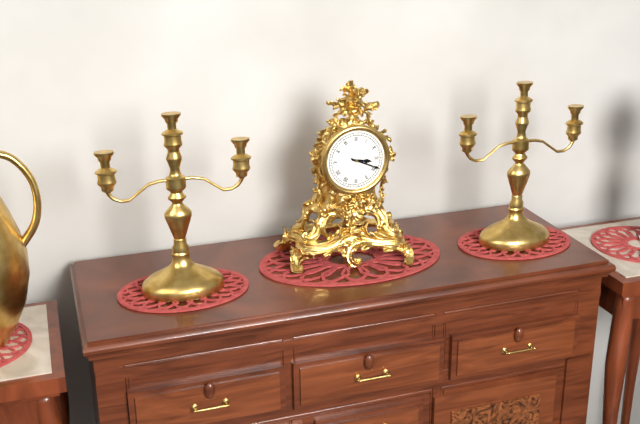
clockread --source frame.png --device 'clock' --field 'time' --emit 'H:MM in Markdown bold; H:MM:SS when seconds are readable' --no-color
**3:19**
